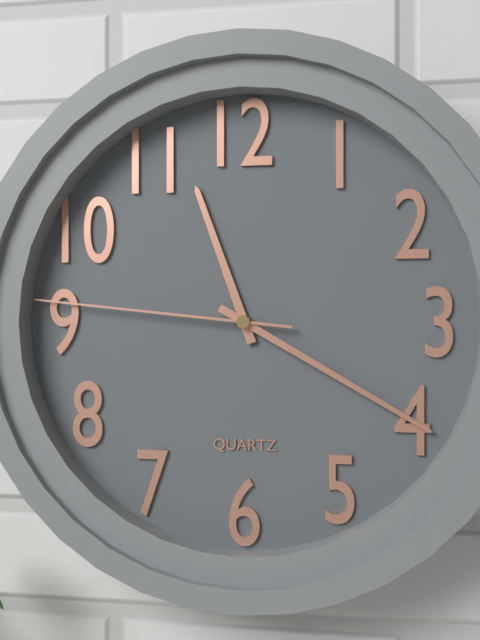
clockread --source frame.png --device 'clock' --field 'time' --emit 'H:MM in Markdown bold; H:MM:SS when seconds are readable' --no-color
**11:20:46**
